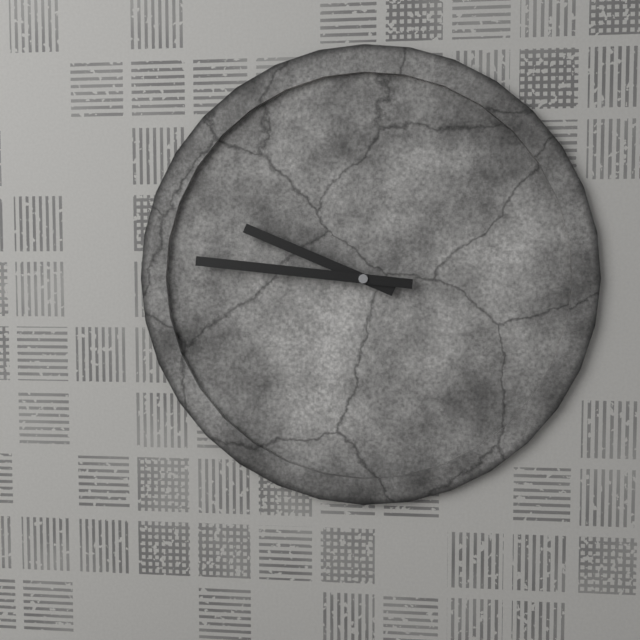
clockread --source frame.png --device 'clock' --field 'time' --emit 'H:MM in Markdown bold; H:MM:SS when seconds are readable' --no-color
**9:46**
